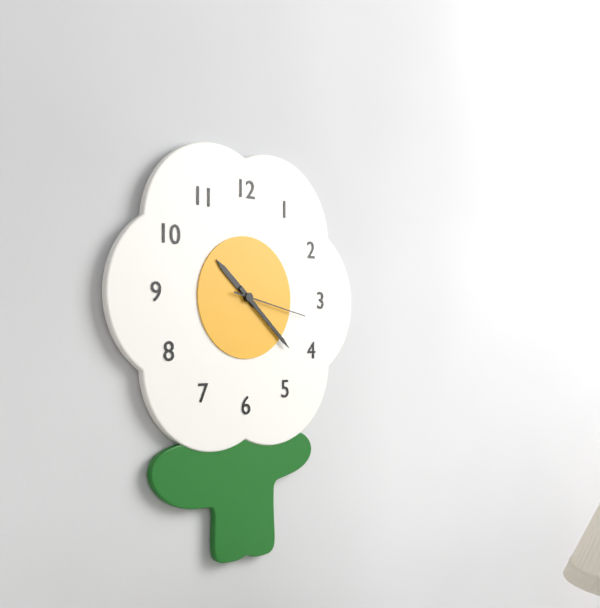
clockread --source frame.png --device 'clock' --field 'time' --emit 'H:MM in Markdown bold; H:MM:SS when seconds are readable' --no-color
**10:22:17**
